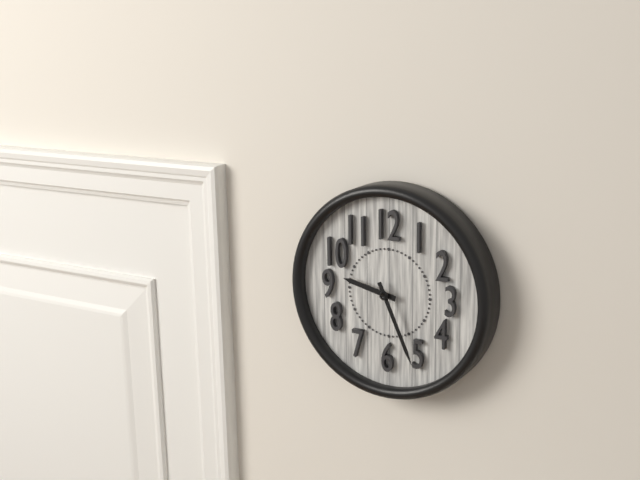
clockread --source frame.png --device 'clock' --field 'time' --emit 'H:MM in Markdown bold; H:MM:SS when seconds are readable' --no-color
**9:26**
